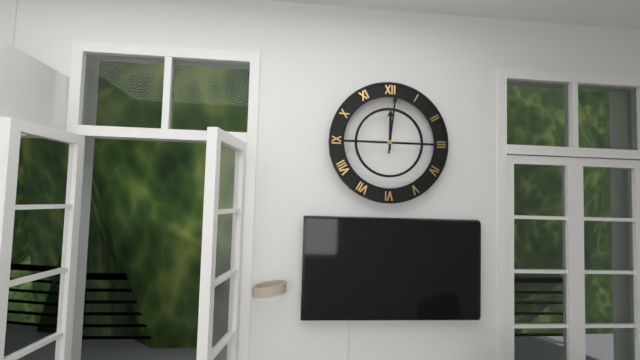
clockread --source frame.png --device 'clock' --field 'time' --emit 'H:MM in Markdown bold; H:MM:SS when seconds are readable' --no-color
**12:01**
